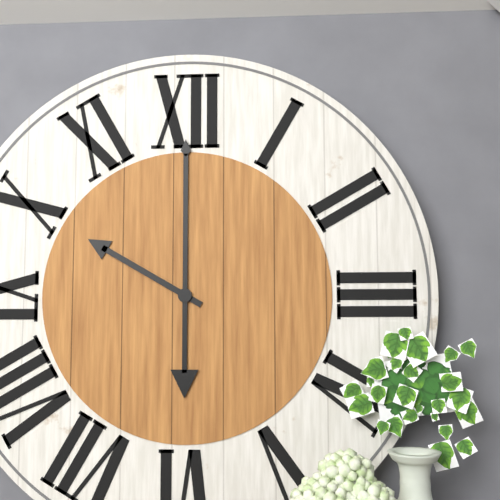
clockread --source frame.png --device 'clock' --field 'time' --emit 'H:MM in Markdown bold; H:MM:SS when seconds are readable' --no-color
**10:00**
